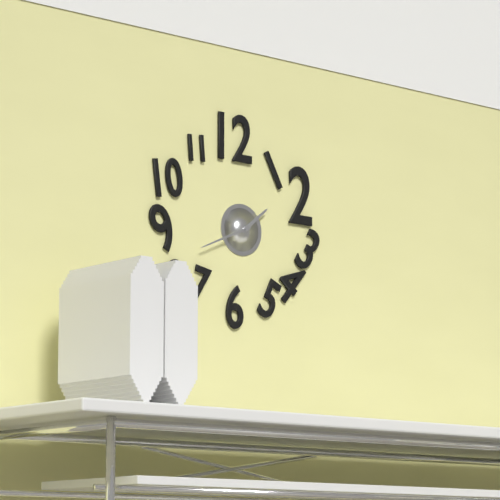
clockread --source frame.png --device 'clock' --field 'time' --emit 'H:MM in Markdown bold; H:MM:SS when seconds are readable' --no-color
**1:41**
